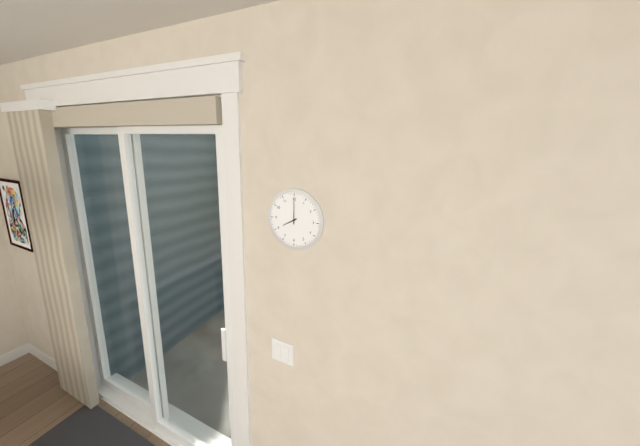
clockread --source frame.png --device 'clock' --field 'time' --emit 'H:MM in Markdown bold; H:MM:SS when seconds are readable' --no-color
**8:00**
